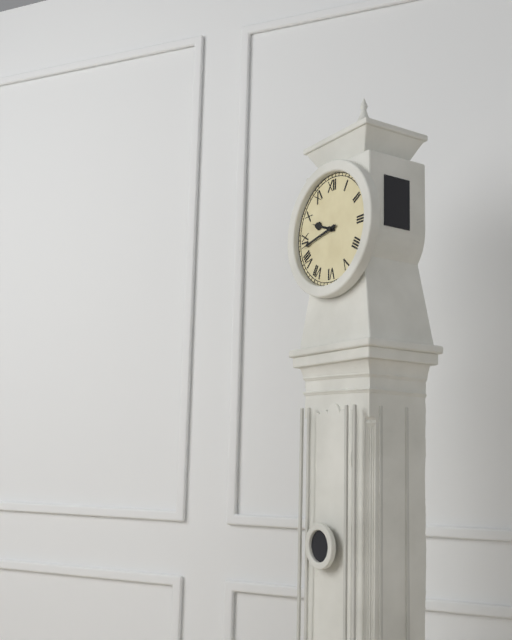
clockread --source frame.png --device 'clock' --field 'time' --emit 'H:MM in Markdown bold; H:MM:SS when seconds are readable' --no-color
**9:43**
